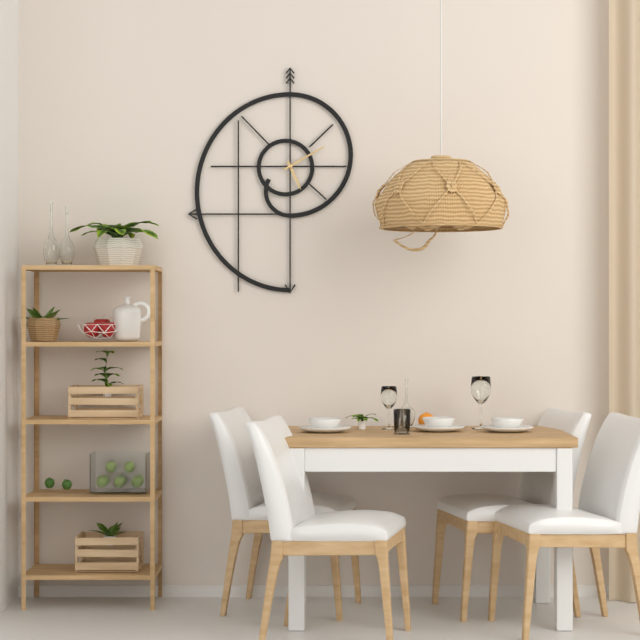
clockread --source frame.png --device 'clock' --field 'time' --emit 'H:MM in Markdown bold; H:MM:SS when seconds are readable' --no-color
**5:10**
